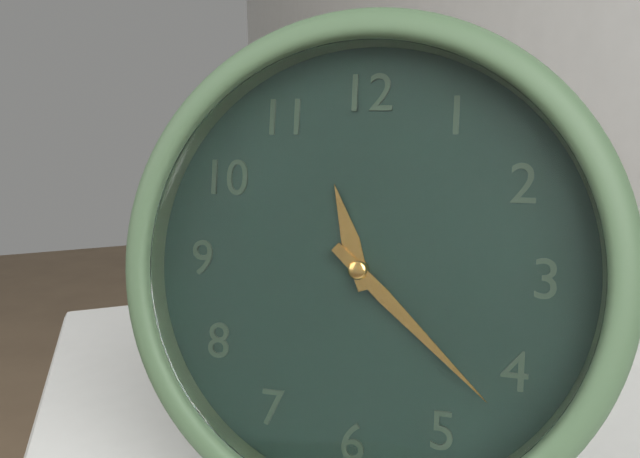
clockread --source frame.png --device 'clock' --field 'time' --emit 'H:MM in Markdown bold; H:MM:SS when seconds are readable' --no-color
**11:22**
